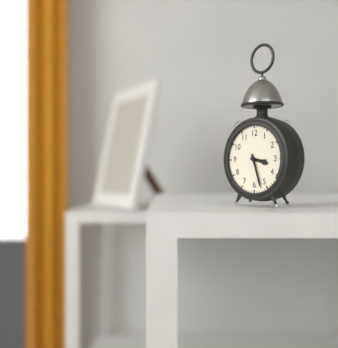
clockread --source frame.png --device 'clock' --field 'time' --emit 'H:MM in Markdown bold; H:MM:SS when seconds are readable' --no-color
**3:27**
